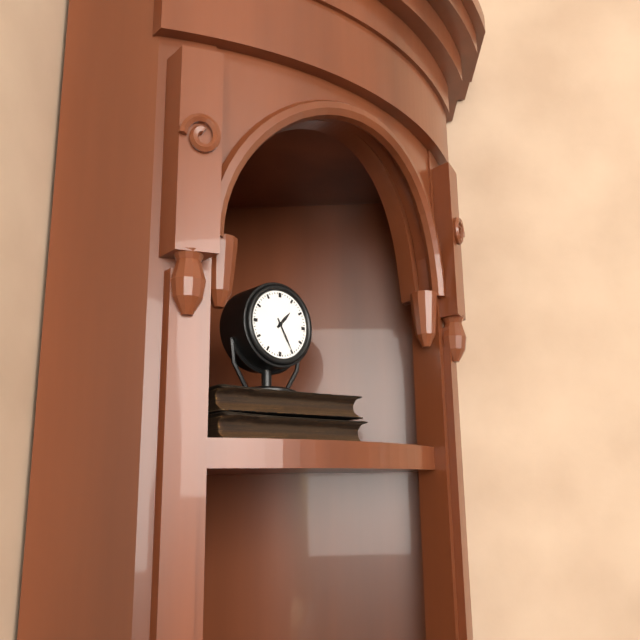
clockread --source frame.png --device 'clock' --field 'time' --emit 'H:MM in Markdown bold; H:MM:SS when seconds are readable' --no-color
**1:25**
